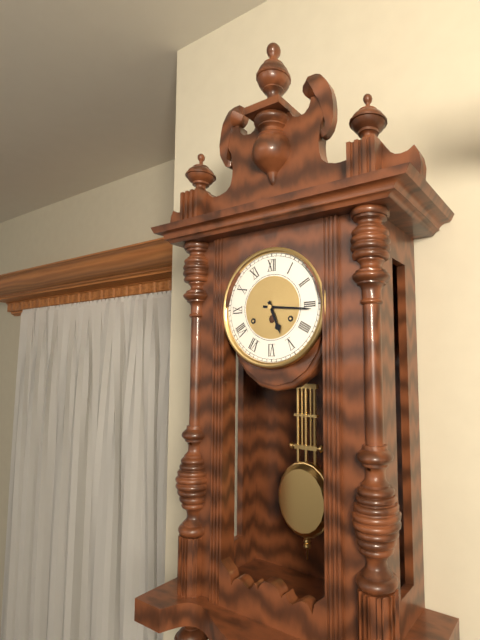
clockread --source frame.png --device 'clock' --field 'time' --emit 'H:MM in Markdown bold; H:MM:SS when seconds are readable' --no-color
**5:16**
